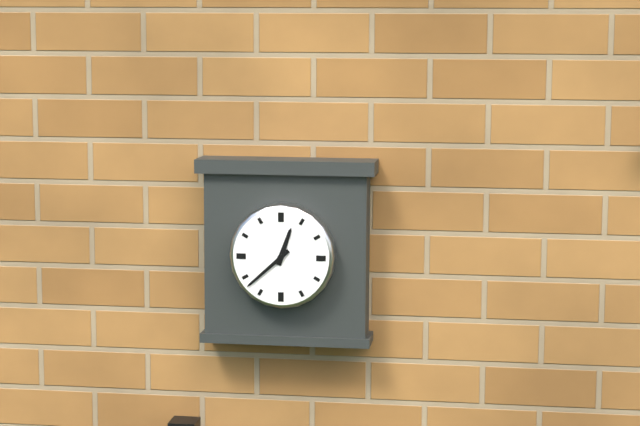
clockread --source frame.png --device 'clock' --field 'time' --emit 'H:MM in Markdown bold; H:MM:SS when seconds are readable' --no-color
**12:38**
